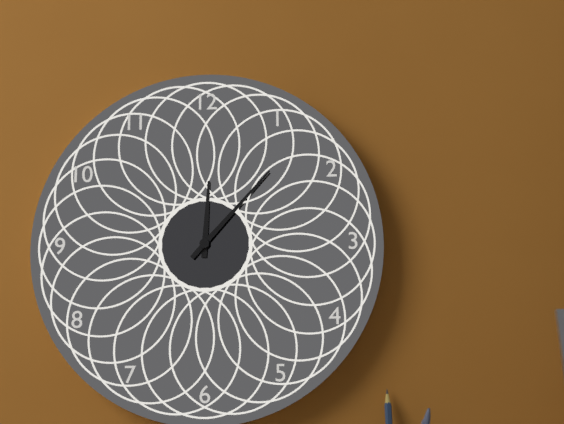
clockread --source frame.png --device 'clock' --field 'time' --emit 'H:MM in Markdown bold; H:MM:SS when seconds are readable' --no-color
**12:07**
